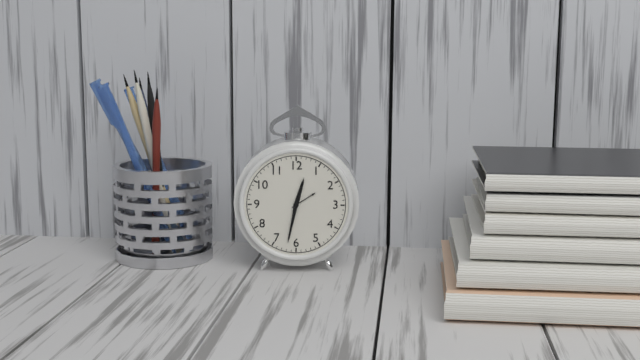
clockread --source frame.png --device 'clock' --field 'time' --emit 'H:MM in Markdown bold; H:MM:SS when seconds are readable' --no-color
**12:32**
